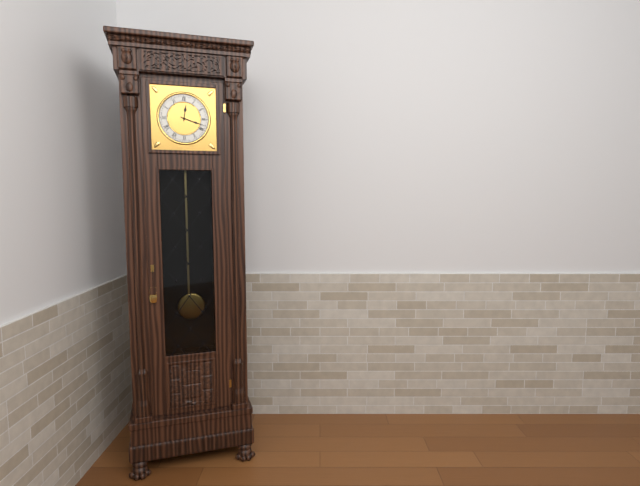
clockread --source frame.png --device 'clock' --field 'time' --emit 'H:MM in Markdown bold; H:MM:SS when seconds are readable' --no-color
**12:18**
